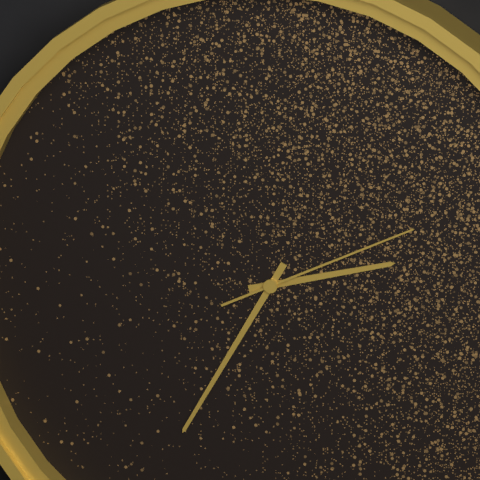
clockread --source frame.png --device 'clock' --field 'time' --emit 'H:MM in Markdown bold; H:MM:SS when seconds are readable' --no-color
**2:35:11**
